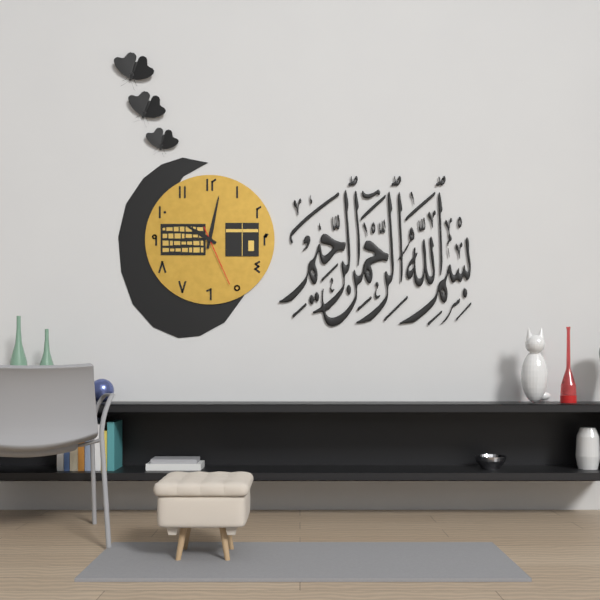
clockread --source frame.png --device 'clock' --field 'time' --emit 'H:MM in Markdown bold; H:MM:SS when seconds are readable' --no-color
**10:02:26**
